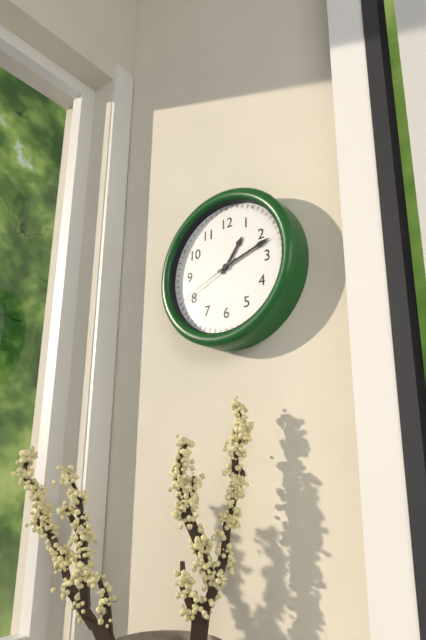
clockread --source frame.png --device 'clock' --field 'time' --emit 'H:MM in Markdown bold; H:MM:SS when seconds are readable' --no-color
**1:12:41**
